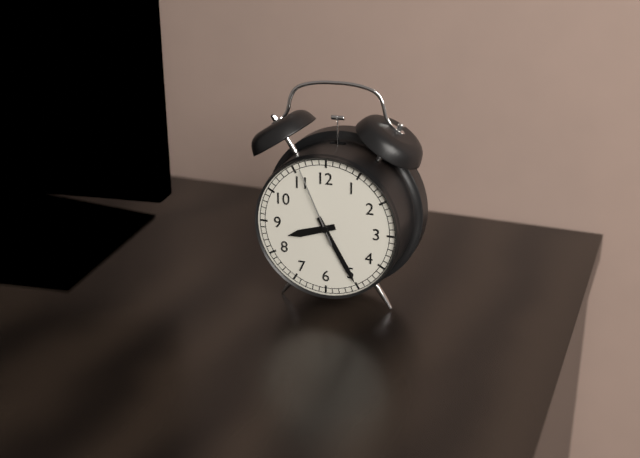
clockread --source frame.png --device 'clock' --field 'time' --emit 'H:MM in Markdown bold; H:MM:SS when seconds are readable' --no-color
**8:25:56**
